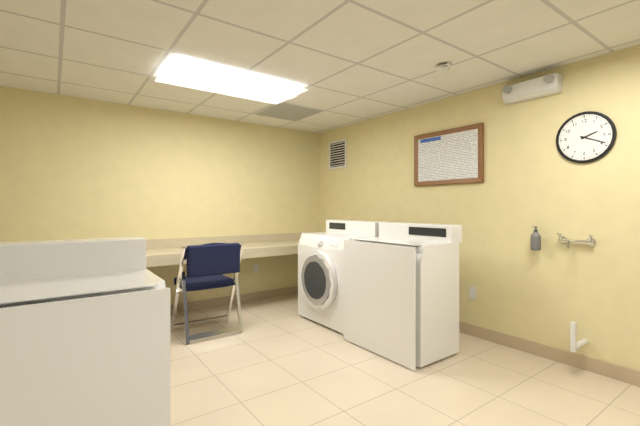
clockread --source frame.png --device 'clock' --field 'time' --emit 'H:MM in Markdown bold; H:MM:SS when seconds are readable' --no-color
**2:19**
